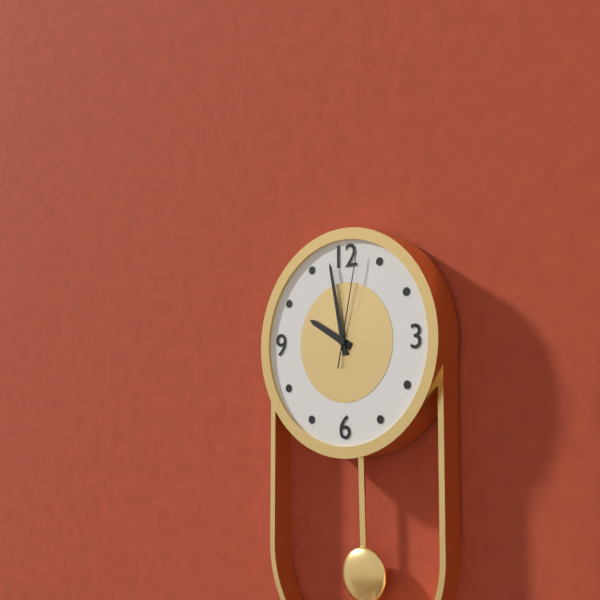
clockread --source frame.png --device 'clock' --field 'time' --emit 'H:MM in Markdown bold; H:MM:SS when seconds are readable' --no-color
**9:58:02**
